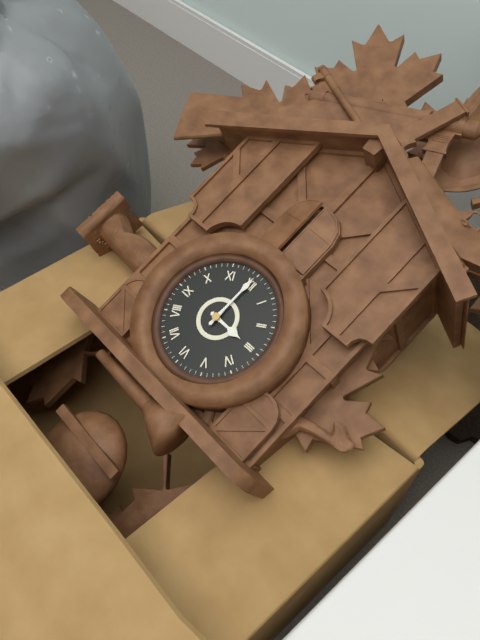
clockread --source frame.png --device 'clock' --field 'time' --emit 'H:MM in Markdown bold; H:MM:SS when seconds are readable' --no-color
**3:00**
